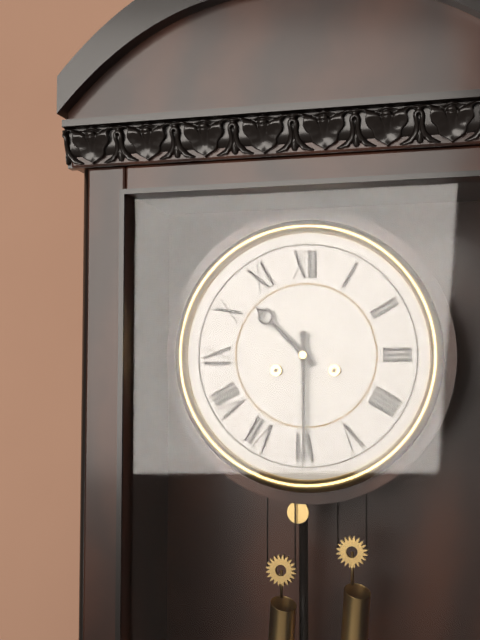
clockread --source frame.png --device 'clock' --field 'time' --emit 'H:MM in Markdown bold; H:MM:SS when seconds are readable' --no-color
**10:30**
